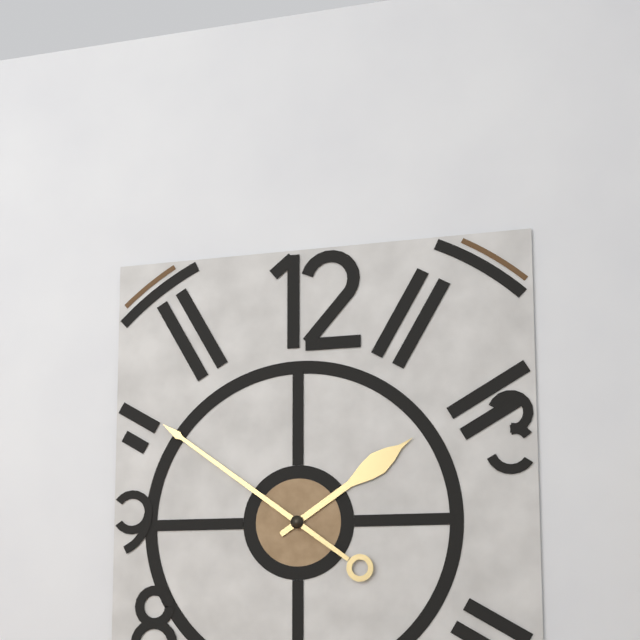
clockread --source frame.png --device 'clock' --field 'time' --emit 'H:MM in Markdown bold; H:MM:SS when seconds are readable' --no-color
**1:51**
